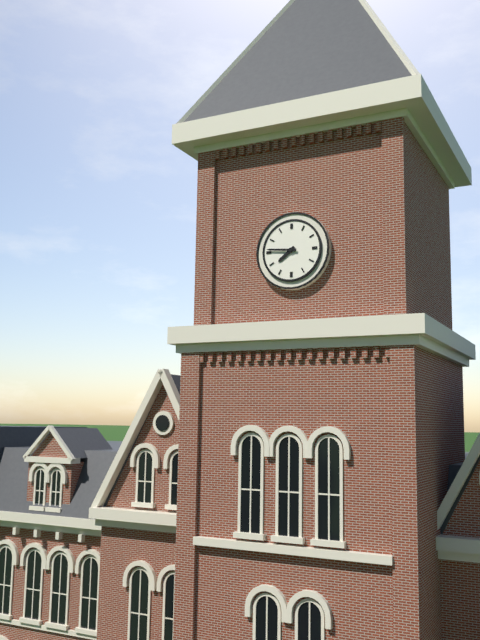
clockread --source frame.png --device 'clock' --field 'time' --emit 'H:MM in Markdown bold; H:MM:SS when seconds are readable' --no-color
**7:46**
